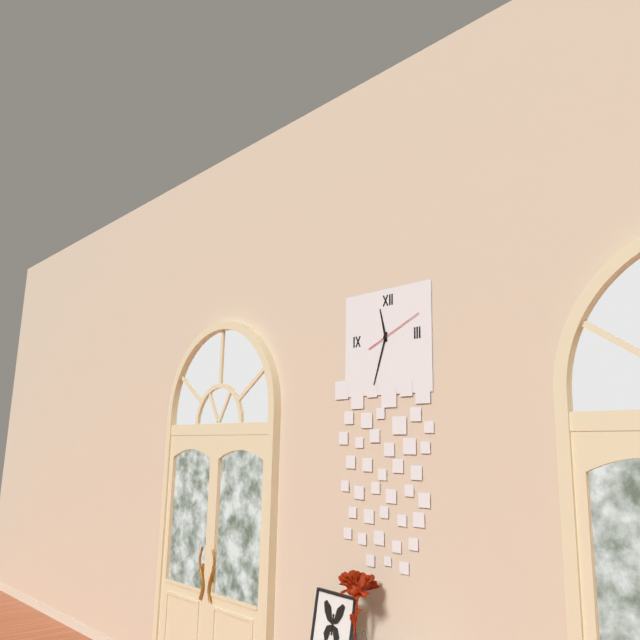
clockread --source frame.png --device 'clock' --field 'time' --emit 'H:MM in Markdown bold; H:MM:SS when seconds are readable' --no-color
**11:33:11**
